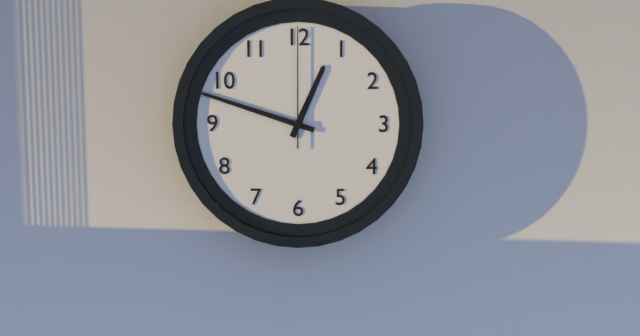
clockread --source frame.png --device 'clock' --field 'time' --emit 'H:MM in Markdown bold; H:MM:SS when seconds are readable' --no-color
**12:48:00**
